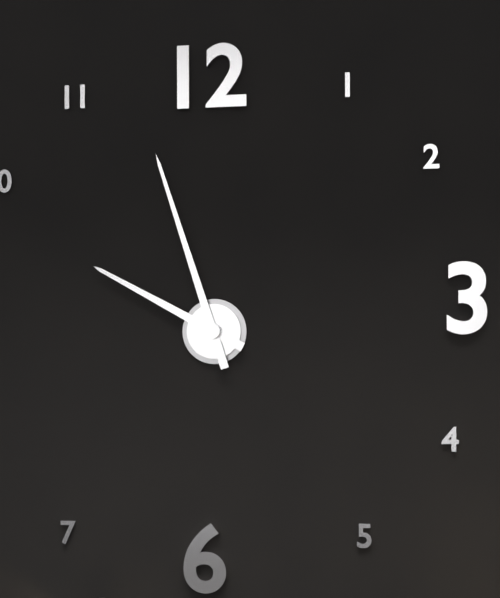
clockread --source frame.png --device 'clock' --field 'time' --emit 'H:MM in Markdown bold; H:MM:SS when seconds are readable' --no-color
**9:57**
